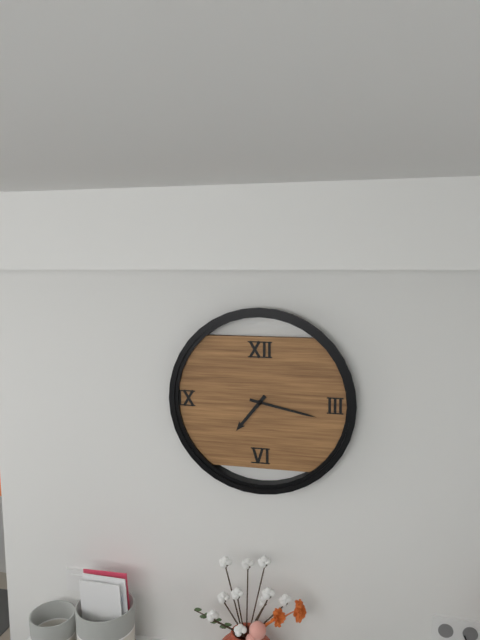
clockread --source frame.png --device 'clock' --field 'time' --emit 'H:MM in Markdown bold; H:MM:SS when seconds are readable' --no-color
**7:17**
